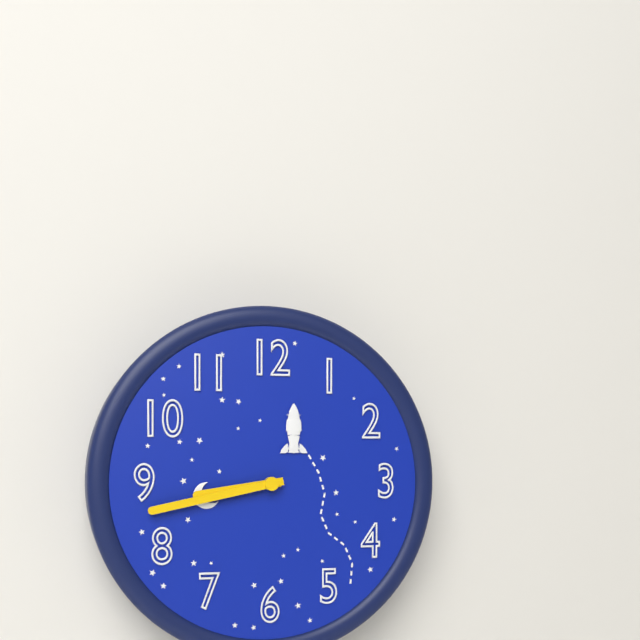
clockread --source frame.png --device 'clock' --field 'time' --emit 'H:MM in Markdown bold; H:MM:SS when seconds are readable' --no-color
**8:43**
